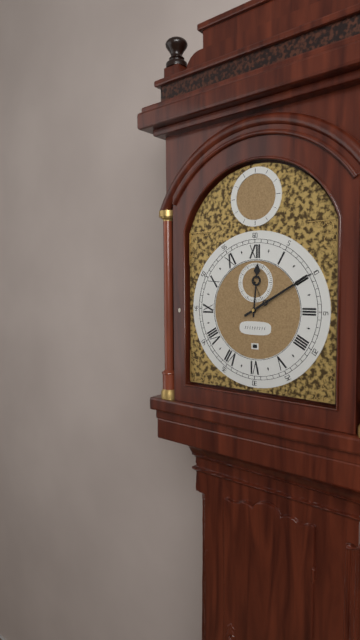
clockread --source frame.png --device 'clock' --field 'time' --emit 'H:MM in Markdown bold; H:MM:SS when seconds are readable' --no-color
**12:10**
